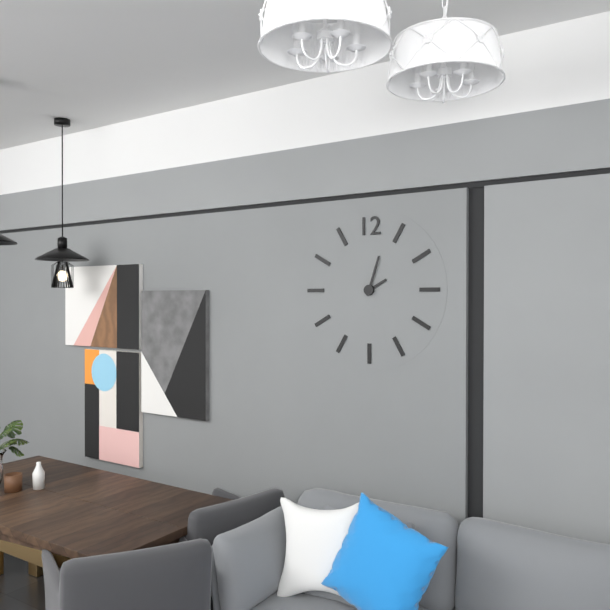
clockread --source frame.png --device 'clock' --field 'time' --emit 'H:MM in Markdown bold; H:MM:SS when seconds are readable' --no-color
**2:03**
